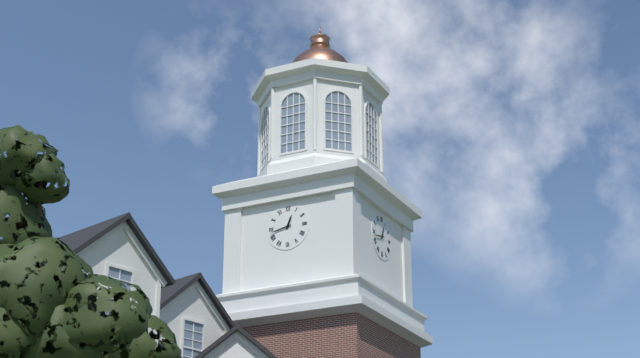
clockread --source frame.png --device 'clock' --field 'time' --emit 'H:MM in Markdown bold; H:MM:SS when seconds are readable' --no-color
**12:43**
